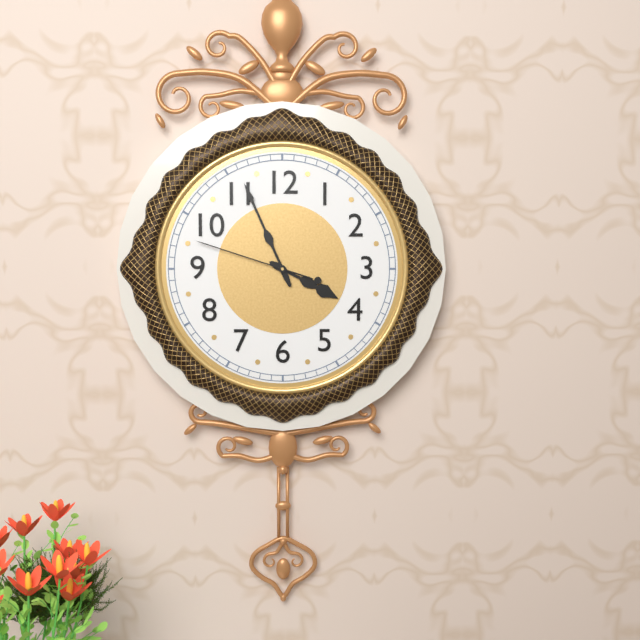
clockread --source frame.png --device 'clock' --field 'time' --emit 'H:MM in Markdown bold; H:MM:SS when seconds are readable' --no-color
**3:56:48**
